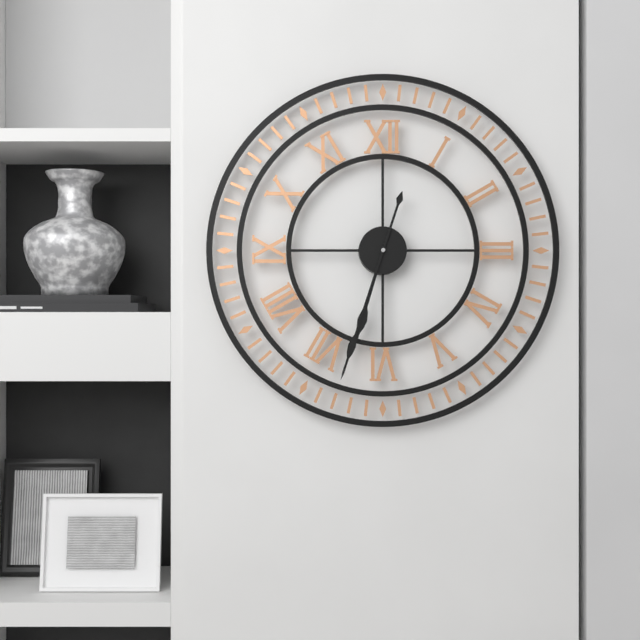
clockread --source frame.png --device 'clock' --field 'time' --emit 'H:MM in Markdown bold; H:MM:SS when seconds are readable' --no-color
**6:33**
